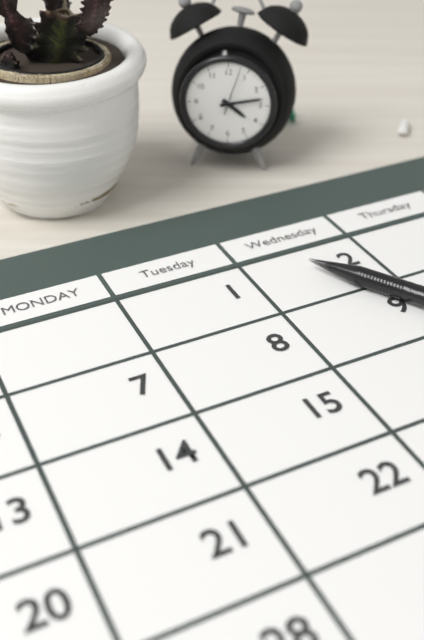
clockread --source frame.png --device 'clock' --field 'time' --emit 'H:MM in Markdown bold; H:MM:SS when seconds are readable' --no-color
**4:13**
